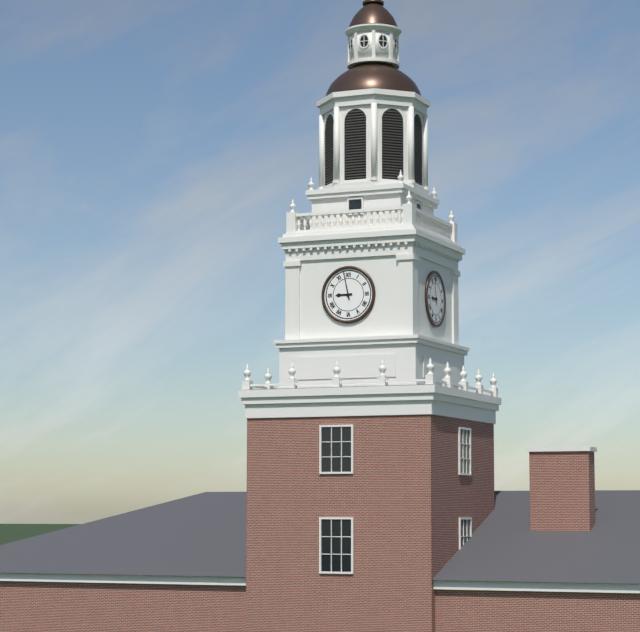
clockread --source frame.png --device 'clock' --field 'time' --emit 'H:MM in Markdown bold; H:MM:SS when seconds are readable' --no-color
**8:58**
